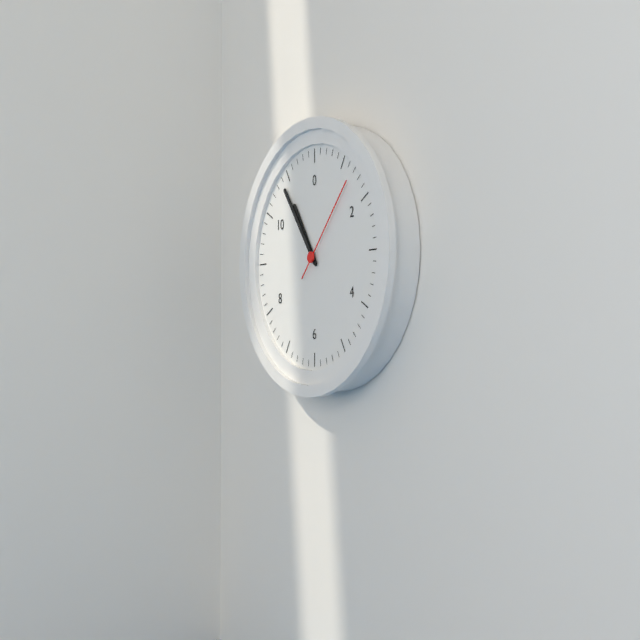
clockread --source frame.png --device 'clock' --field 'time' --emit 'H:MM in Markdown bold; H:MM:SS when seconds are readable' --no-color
**10:54:07**
